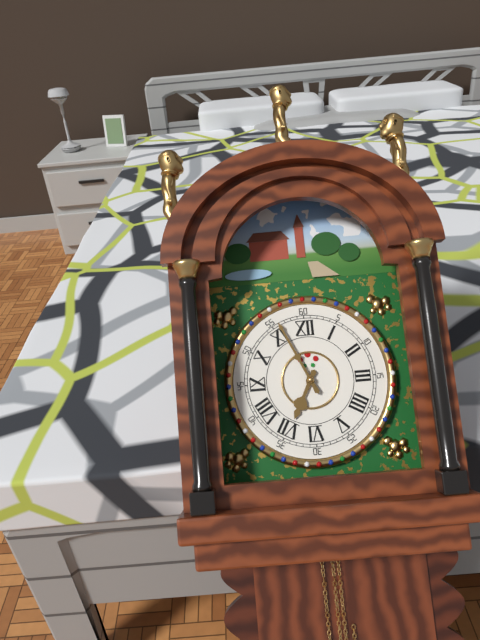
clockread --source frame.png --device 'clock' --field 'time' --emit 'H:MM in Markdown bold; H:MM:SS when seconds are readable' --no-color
**6:56**
